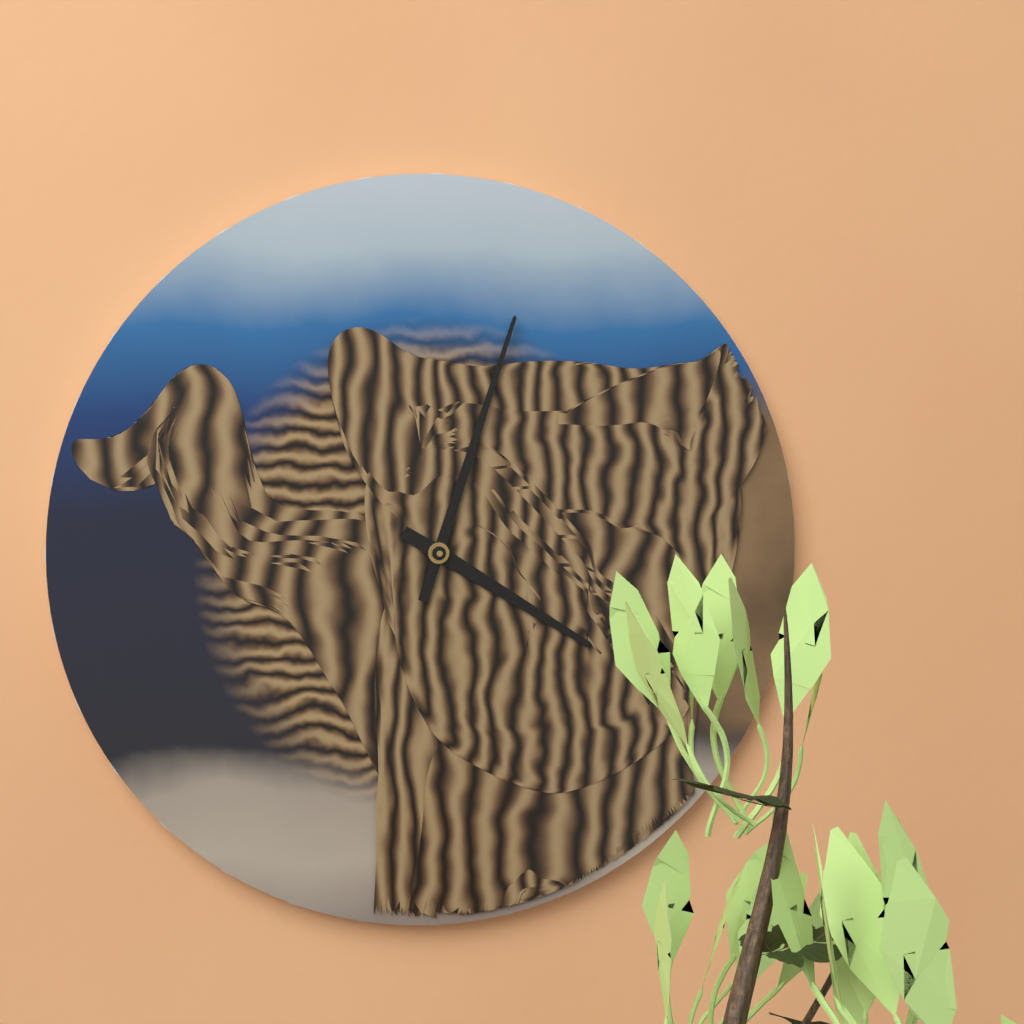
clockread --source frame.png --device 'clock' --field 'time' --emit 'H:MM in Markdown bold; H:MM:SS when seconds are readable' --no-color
**4:03**
